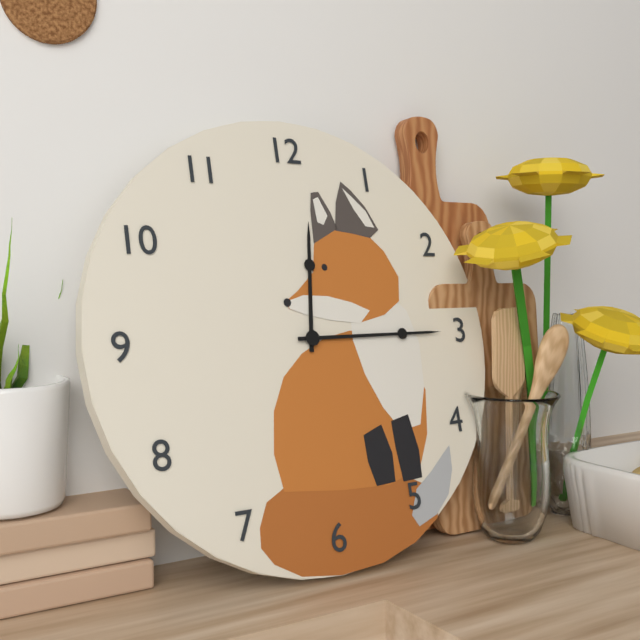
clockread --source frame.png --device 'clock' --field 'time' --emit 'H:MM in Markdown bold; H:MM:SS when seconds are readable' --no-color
**12:15**
